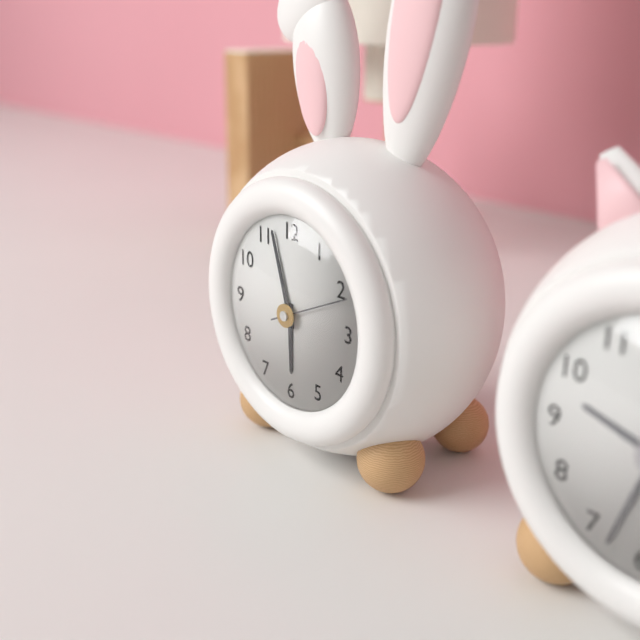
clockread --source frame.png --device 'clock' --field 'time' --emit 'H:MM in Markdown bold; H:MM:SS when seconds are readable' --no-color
**5:57:11**
